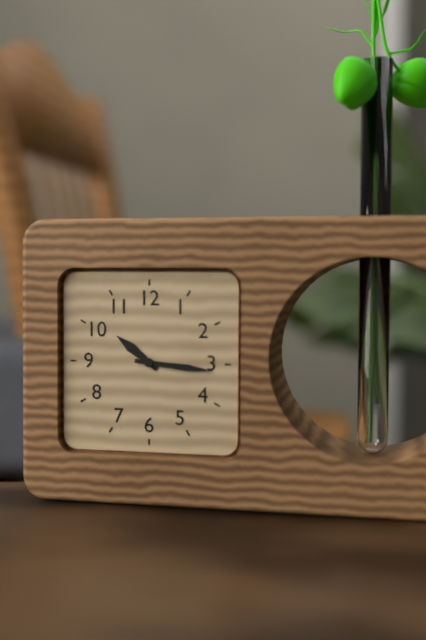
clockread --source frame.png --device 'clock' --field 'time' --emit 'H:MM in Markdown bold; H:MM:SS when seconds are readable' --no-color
**10:16**
